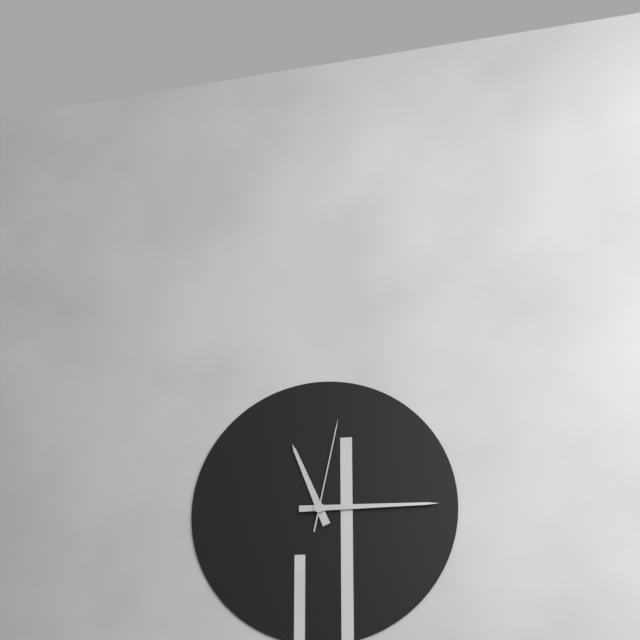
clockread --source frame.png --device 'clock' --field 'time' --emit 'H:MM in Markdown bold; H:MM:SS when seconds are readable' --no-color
**11:15:02**
